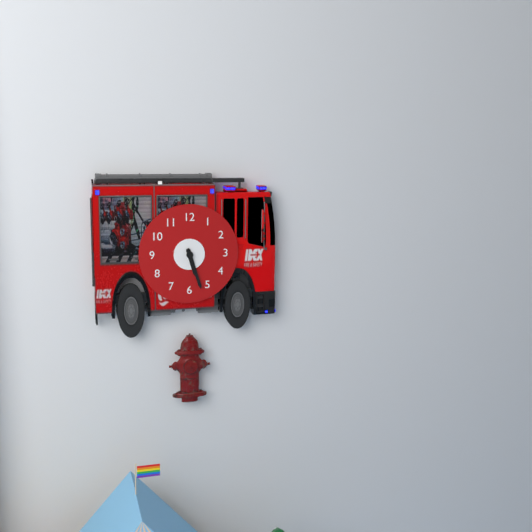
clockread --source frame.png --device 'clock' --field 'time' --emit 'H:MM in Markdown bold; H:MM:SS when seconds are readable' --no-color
**5:27**
